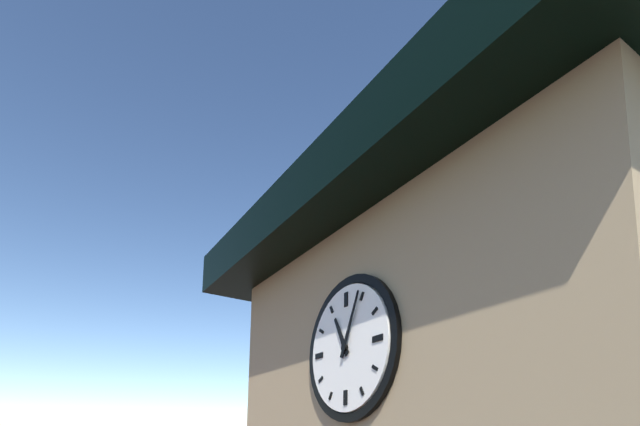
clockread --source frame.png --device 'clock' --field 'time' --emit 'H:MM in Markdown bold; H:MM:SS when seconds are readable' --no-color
**11:04**
